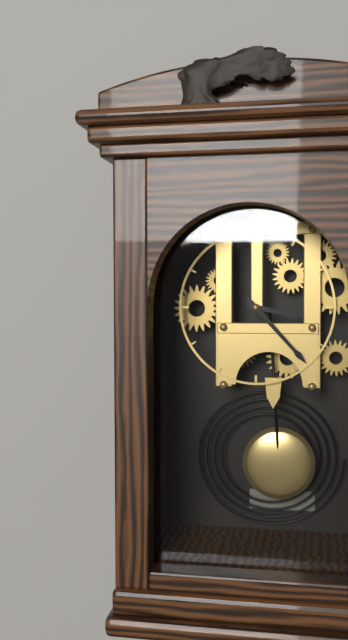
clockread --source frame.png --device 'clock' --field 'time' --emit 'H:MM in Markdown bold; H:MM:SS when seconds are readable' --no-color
**3:23**
